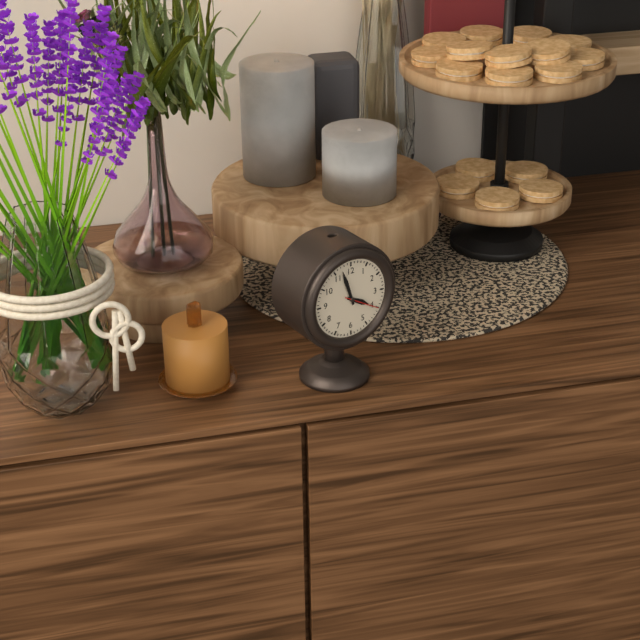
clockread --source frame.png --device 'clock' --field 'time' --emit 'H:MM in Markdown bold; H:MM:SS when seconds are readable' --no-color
**3:57**
